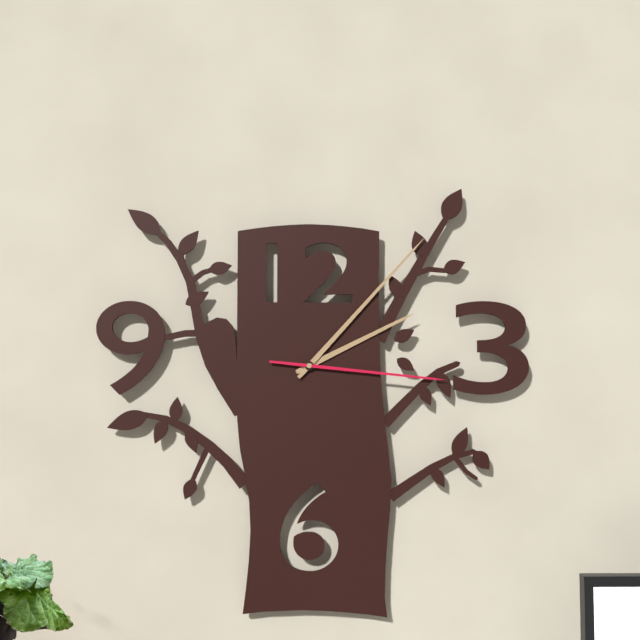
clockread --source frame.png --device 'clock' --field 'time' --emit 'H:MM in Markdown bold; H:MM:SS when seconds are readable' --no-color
**2:07:16**
